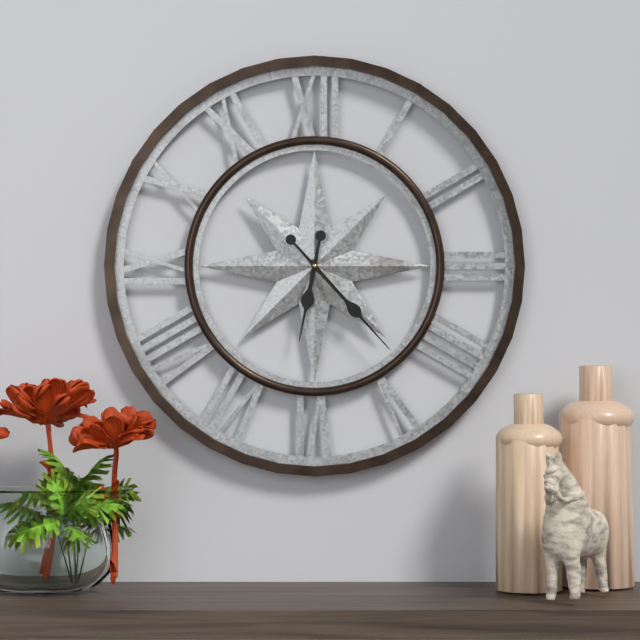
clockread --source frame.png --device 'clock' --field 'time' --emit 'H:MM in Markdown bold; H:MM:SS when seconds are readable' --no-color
**6:23**
